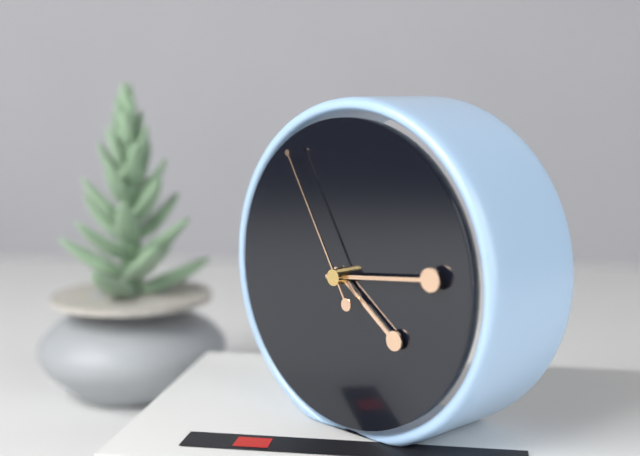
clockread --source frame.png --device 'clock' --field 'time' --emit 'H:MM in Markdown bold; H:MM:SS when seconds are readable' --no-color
**4:14:55**
